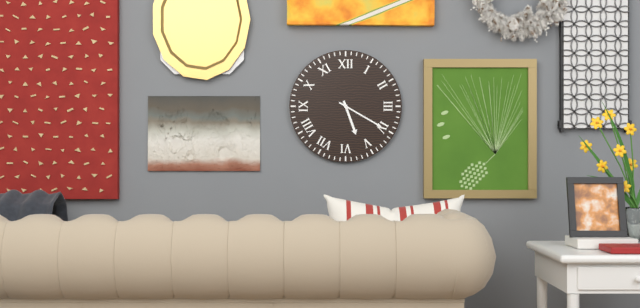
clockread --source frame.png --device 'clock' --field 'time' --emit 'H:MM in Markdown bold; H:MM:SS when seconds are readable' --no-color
**5:20**
